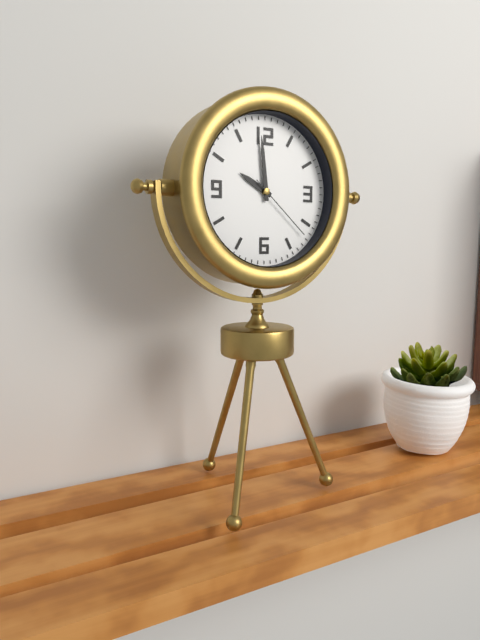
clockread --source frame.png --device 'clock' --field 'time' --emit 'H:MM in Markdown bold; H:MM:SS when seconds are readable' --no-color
**9:59:22**
